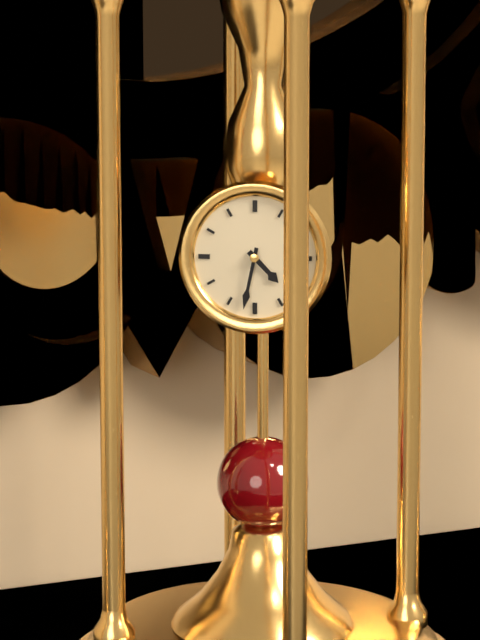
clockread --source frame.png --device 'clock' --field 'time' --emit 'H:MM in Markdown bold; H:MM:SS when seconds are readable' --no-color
**4:32**
